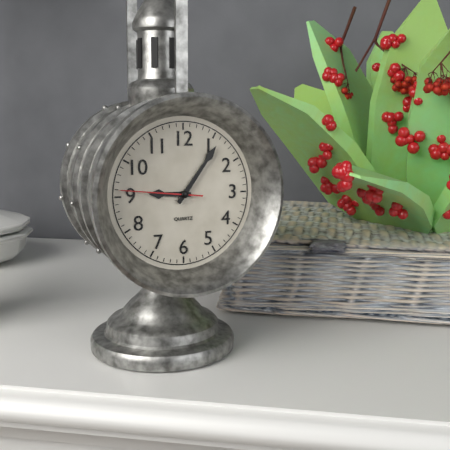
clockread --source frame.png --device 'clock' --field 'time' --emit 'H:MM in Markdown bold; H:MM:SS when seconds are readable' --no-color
**9:06:46**
